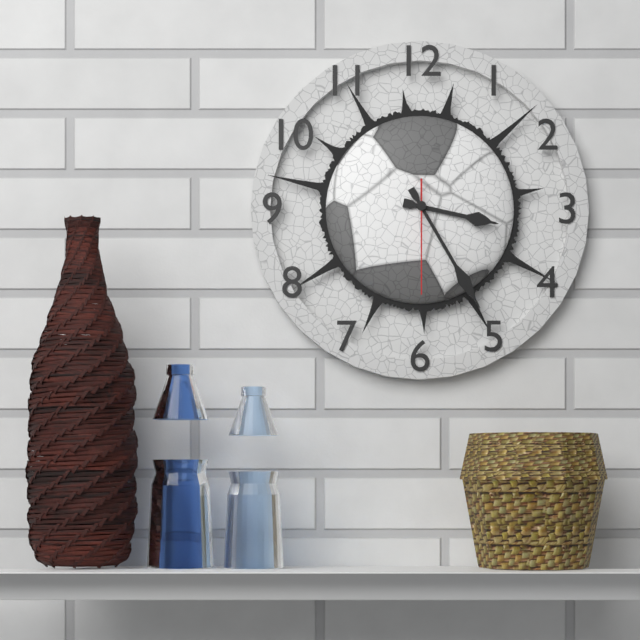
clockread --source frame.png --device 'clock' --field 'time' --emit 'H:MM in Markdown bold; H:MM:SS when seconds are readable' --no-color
**3:25:30**
